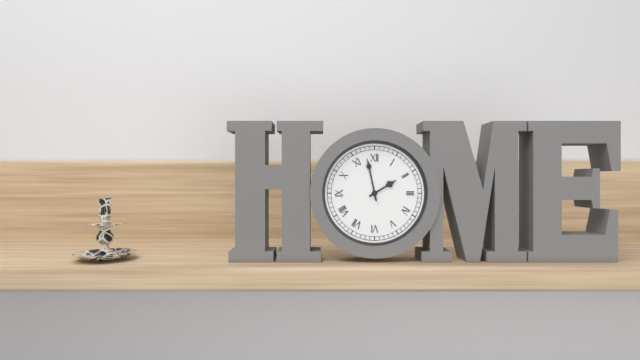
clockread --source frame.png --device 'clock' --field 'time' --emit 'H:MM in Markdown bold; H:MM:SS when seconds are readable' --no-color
**1:58**
